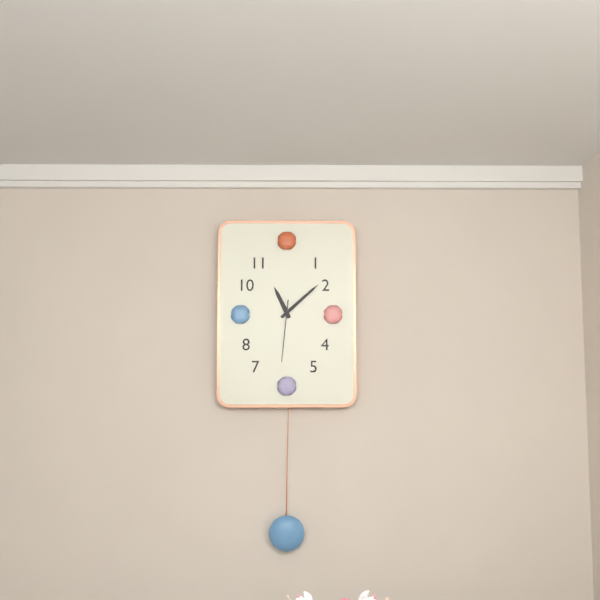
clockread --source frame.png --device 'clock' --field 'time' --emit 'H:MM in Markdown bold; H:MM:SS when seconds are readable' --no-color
**11:08:31**
